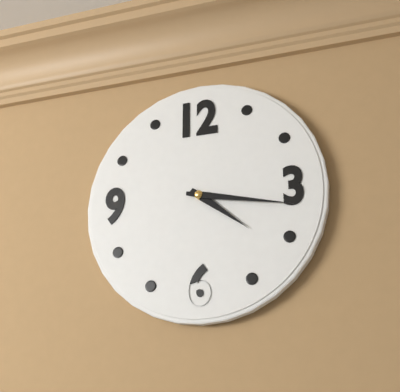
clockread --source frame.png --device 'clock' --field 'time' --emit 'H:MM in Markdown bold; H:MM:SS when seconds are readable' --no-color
**4:17**
